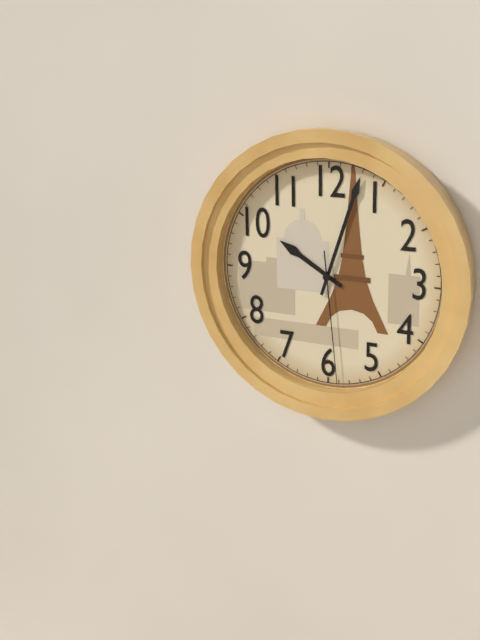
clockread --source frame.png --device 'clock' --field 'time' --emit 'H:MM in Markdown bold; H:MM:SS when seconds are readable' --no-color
**10:03:29**
